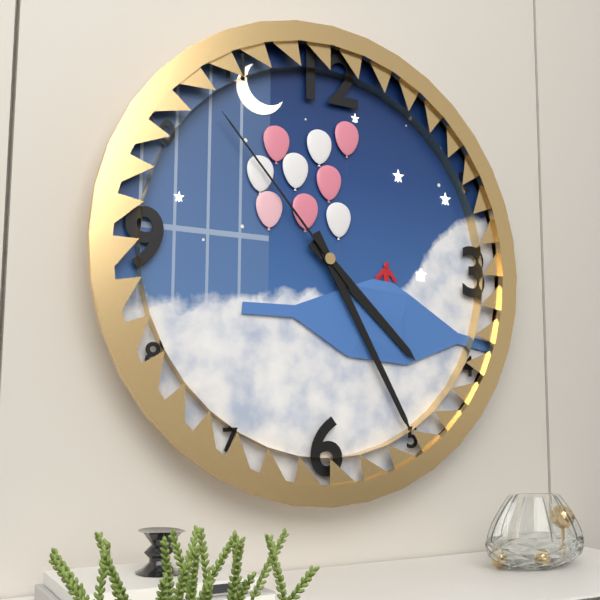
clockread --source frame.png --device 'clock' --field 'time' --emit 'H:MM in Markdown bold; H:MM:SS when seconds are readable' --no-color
**4:25:53**
